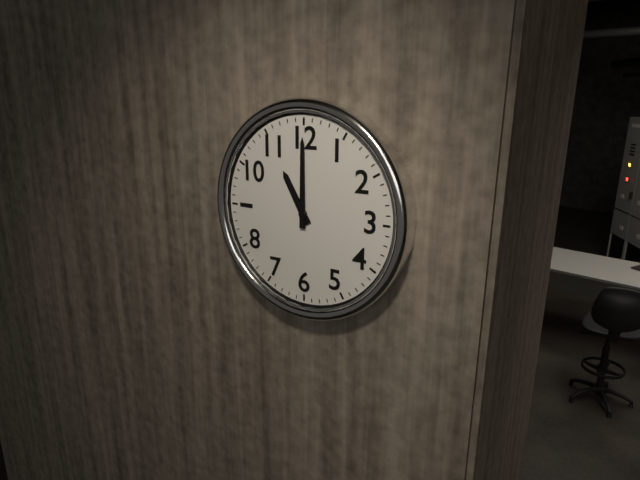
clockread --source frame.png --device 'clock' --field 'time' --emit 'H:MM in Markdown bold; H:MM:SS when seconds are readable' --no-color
**11:00**
